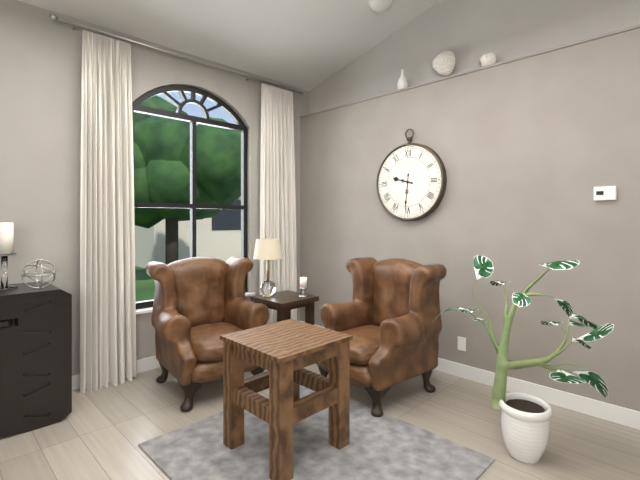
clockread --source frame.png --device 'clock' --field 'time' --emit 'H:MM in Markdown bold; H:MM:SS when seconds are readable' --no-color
**9:31**
